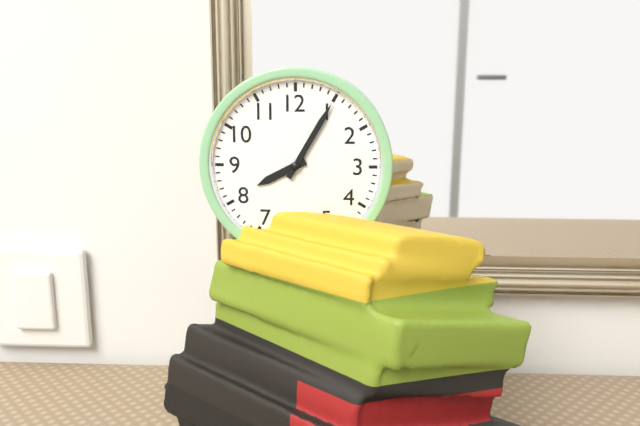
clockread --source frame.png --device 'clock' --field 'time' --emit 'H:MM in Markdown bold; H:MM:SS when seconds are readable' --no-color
**8:05**
